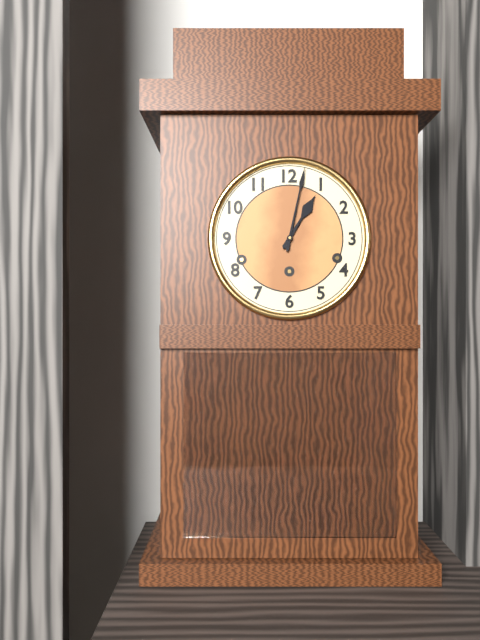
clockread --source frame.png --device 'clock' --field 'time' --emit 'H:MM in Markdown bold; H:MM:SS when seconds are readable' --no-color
**1:02**
